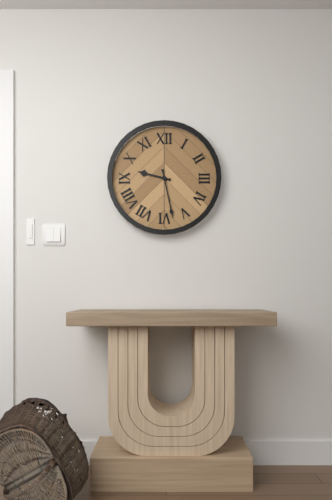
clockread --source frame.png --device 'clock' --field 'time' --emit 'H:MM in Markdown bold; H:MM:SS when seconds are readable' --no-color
**9:28**
